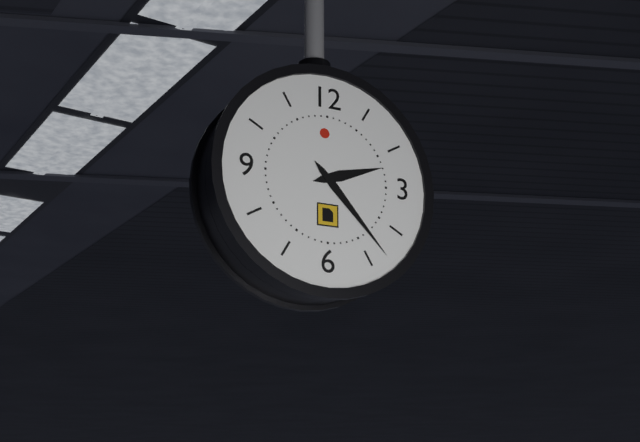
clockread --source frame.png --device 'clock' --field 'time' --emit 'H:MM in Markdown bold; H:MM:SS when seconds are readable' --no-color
**2:23**
